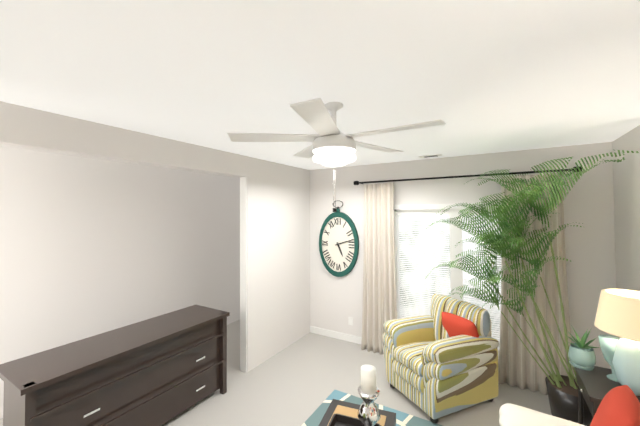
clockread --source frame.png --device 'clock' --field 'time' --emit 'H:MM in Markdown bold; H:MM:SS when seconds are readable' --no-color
**5:12**
